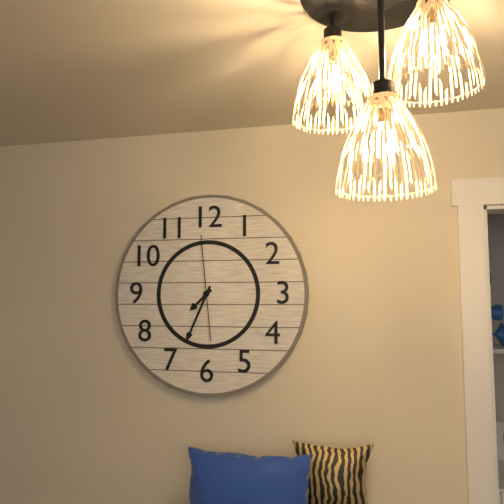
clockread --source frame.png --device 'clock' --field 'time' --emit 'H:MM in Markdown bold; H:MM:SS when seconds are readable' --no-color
**7:34:59**
